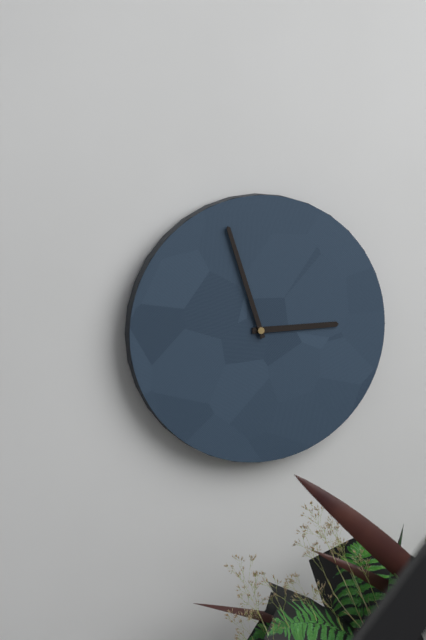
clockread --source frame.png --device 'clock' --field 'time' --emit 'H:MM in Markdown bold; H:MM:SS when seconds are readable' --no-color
**2:57**
